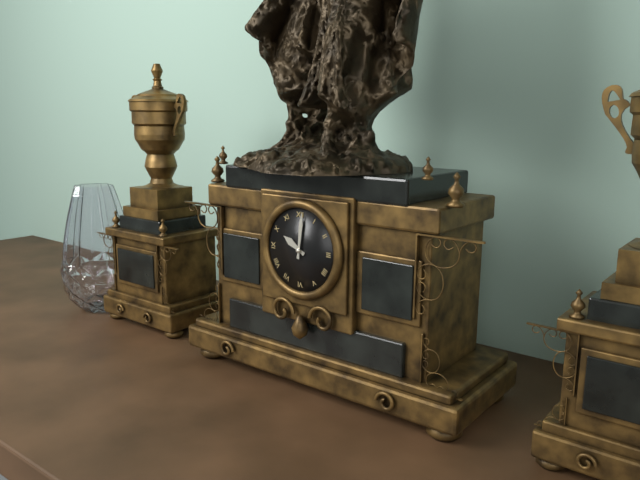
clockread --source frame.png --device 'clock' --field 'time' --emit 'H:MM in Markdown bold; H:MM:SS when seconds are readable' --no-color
**10:01**
